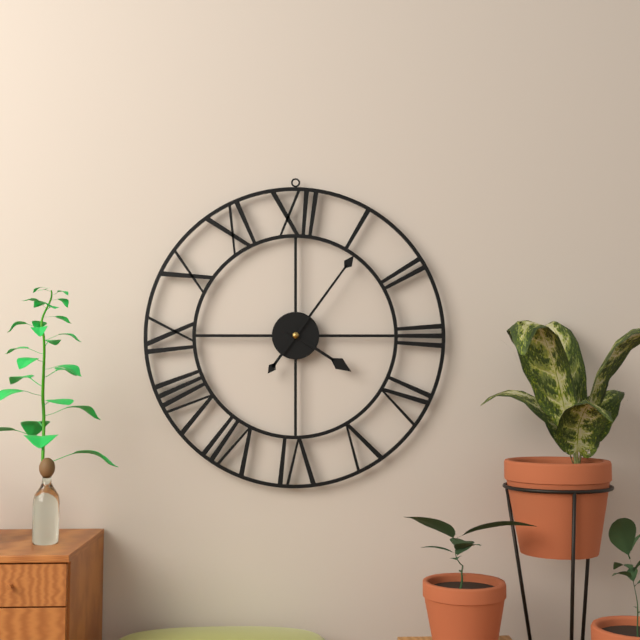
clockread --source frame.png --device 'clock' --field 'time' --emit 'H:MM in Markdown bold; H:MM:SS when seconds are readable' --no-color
**4:06**
